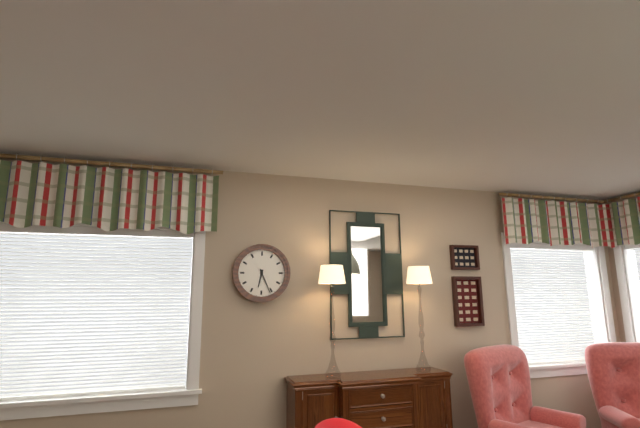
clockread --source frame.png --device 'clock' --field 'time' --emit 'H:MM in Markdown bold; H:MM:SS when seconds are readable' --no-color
**6:26**
